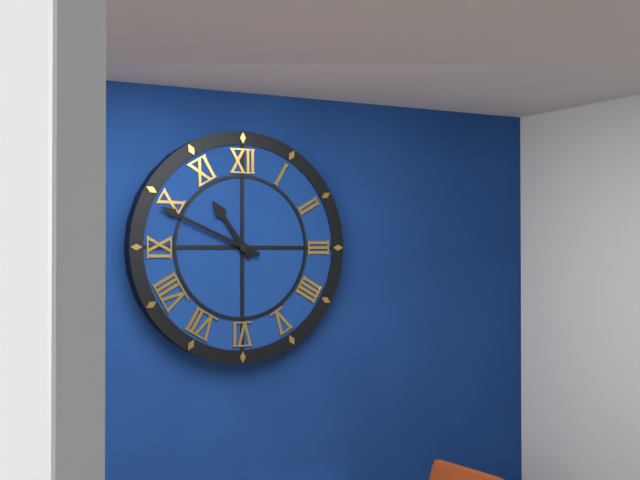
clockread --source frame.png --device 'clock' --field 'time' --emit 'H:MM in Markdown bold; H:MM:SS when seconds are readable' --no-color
**10:49**
